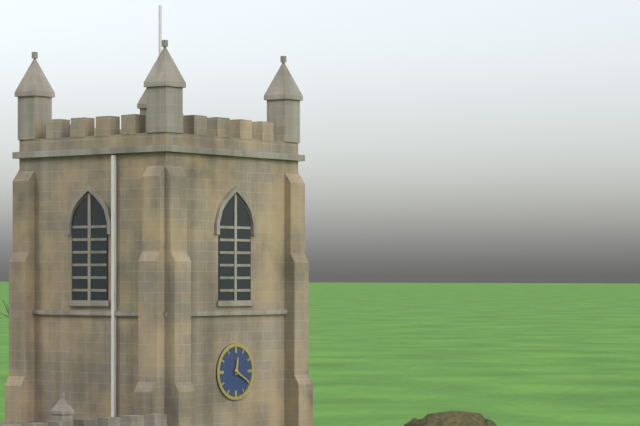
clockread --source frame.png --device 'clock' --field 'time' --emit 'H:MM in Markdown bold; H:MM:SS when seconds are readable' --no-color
**12:20**
